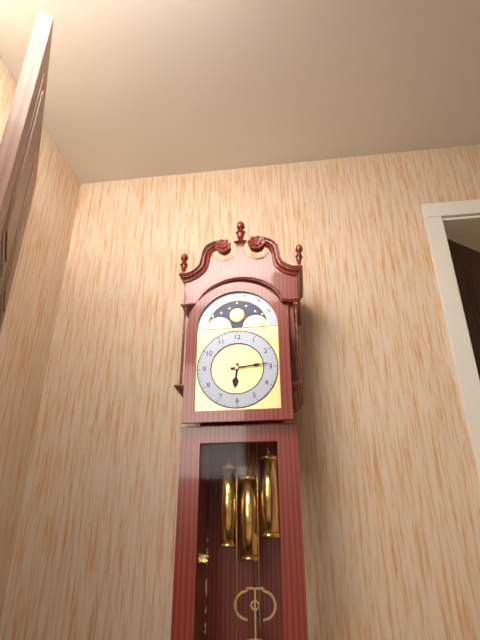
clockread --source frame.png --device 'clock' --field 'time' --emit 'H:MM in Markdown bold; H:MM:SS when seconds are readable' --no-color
**6:14**
